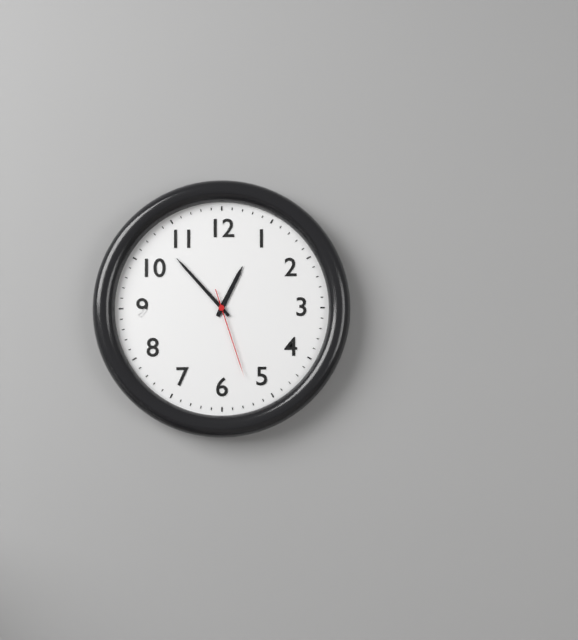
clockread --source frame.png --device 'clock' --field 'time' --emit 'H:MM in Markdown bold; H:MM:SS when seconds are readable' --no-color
**12:53:27**
